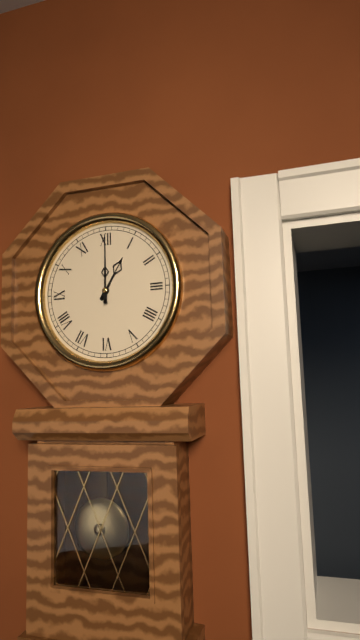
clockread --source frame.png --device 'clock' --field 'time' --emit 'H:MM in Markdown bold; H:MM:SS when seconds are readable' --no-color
**1:00**
